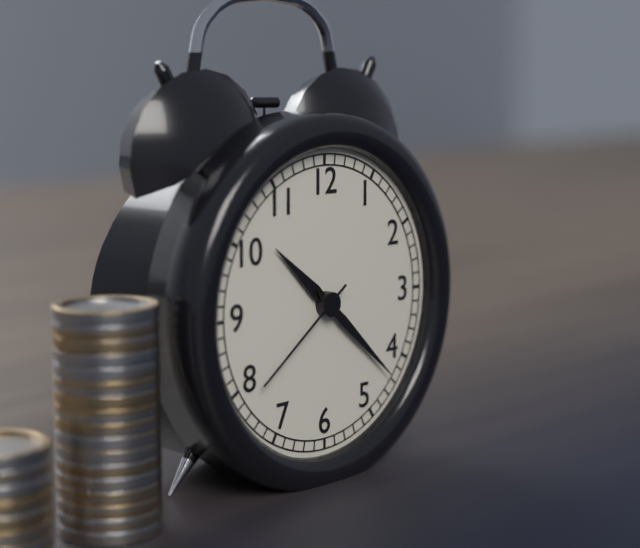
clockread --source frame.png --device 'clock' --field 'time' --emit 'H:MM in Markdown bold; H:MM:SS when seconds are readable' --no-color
**10:22:39**
